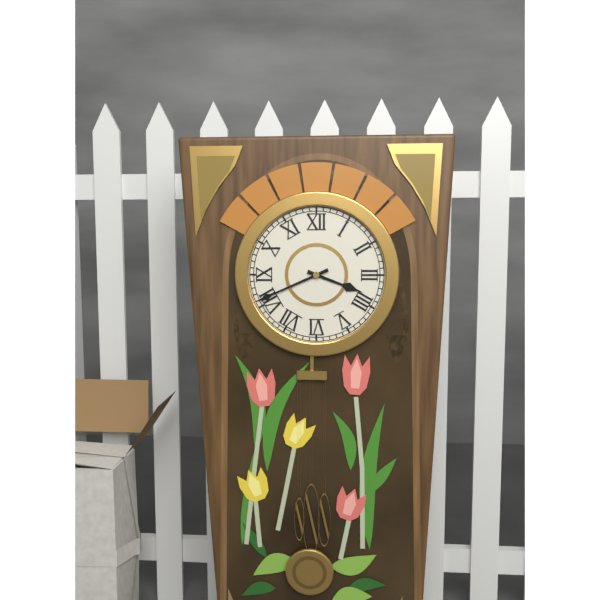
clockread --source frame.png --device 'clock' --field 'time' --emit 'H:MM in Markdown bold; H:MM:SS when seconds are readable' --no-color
**3:41**
